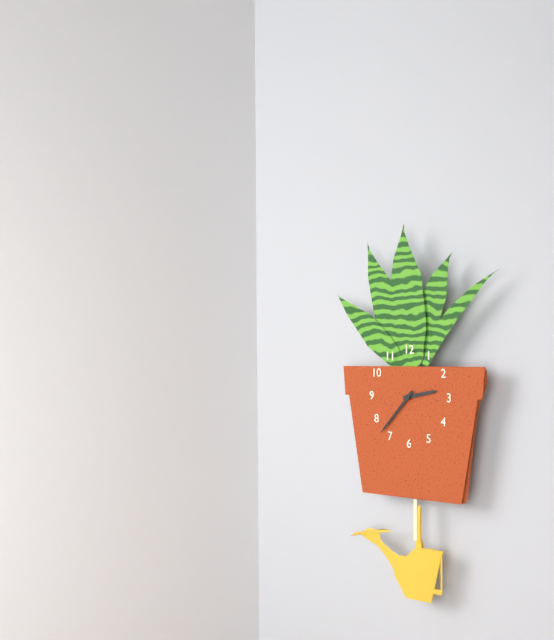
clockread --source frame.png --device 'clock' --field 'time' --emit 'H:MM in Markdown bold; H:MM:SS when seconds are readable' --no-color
**2:37**
